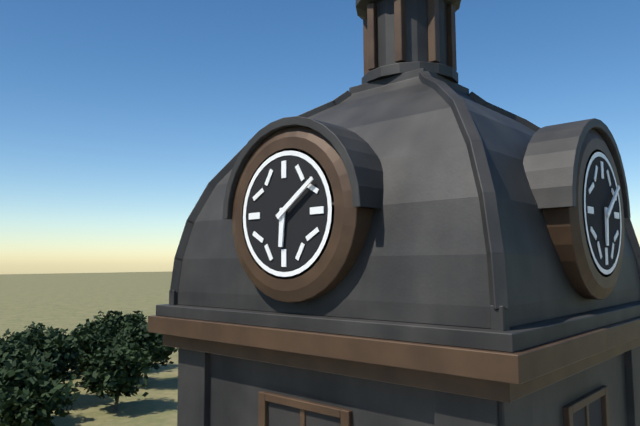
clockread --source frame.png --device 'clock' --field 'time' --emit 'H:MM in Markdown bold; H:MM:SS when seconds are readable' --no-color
**6:09**
